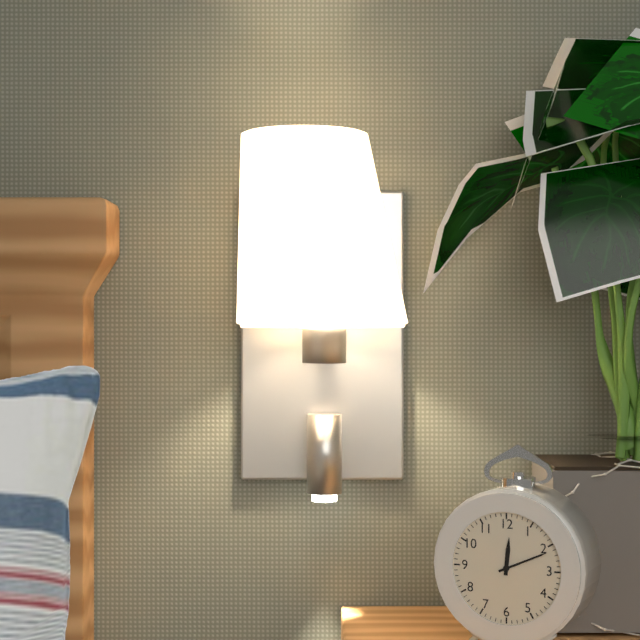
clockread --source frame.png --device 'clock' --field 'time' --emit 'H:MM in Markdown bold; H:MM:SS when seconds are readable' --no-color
**12:11**
